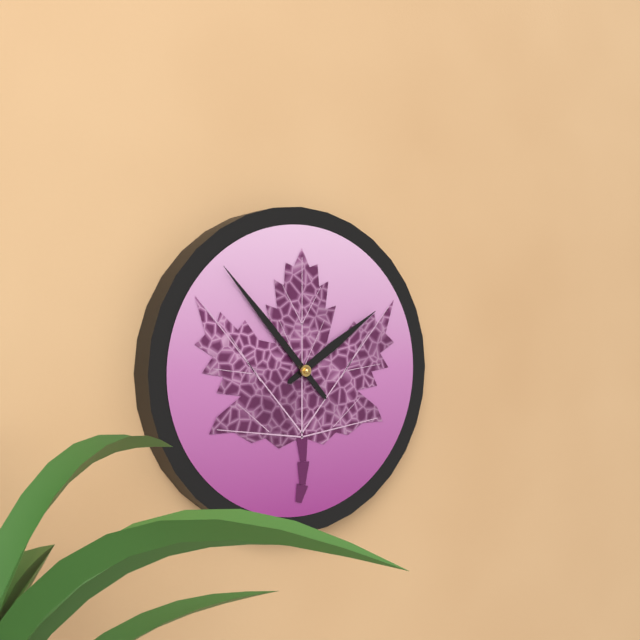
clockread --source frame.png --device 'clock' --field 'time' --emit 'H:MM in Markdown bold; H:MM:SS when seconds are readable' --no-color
**1:53**
